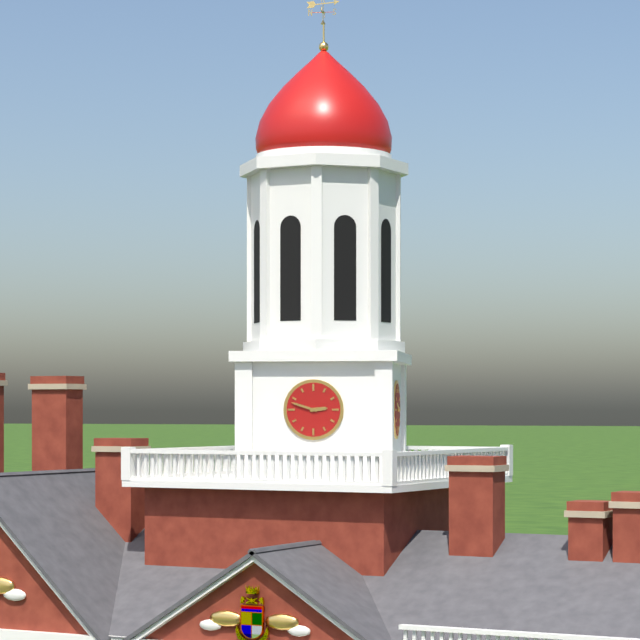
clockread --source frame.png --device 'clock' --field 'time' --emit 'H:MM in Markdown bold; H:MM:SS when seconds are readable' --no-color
**2:48**
